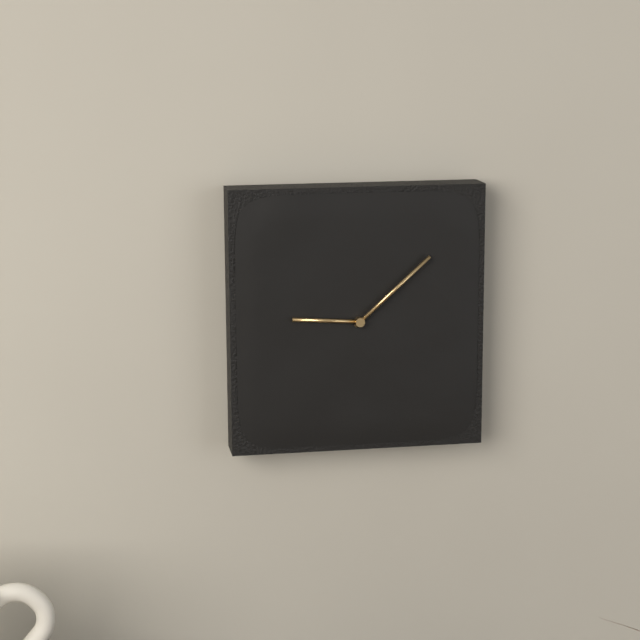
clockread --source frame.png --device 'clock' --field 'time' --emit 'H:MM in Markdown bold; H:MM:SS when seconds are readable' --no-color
**9:08**
